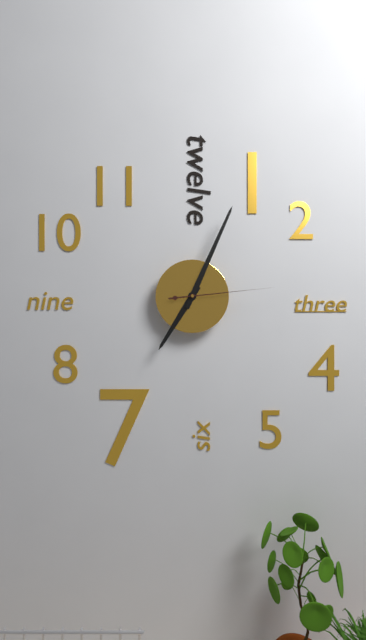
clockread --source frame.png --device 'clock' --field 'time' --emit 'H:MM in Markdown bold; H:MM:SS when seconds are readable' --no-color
**7:04:14**
